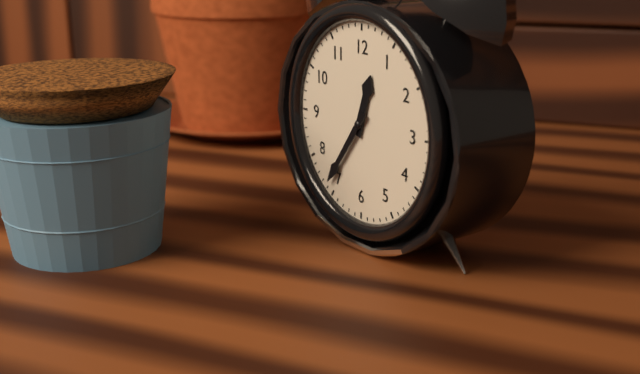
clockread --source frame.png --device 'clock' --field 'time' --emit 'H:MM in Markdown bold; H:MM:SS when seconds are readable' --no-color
**12:36**
